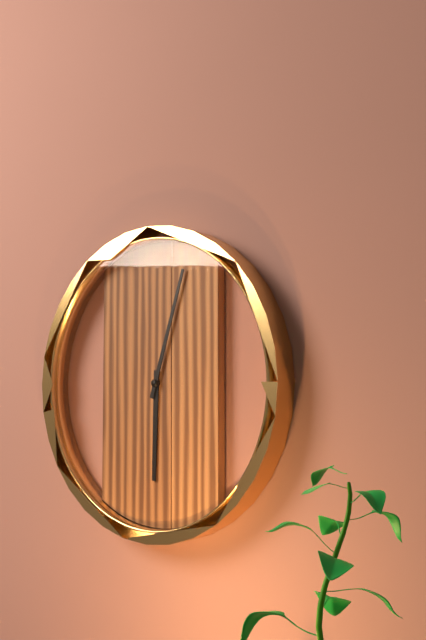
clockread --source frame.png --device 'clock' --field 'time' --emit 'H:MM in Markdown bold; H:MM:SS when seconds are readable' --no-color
**6:03**
